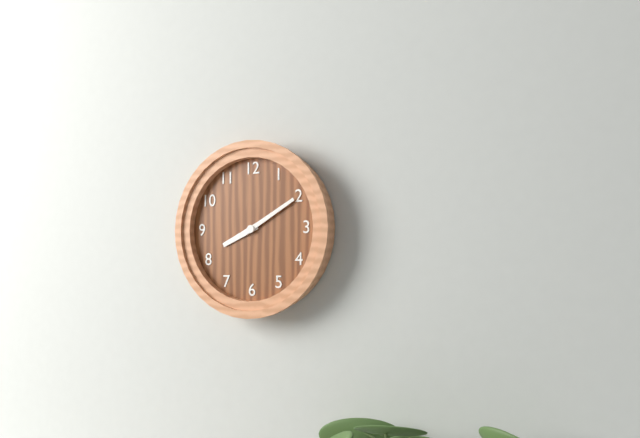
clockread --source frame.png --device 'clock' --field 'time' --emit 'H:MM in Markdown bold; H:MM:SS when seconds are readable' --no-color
**8:10**
